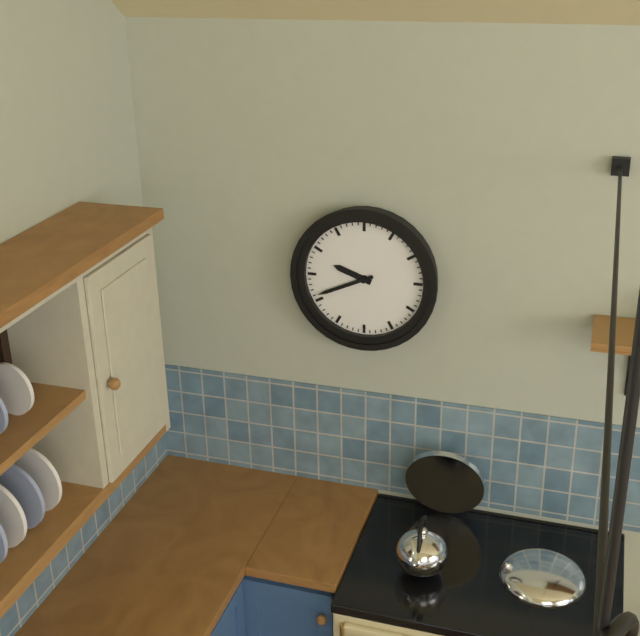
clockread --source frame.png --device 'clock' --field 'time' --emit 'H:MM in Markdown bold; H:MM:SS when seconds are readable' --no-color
**9:41**
